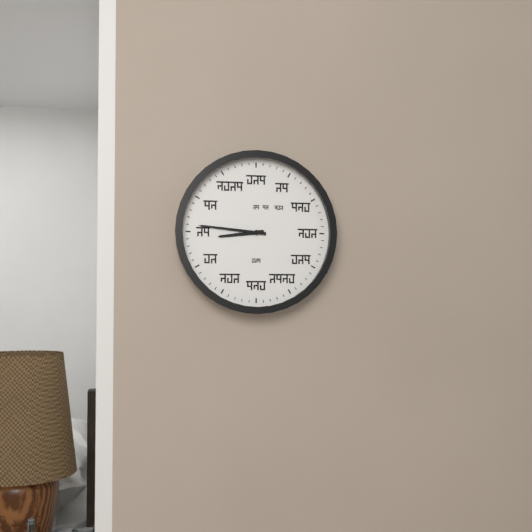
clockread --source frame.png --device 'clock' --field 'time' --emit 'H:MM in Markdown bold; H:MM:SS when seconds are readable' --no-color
**8:46**
